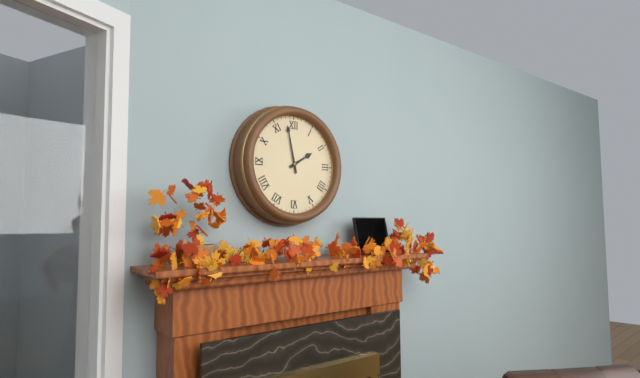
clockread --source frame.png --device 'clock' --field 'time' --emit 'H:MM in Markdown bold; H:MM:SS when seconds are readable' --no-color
**1:58**
